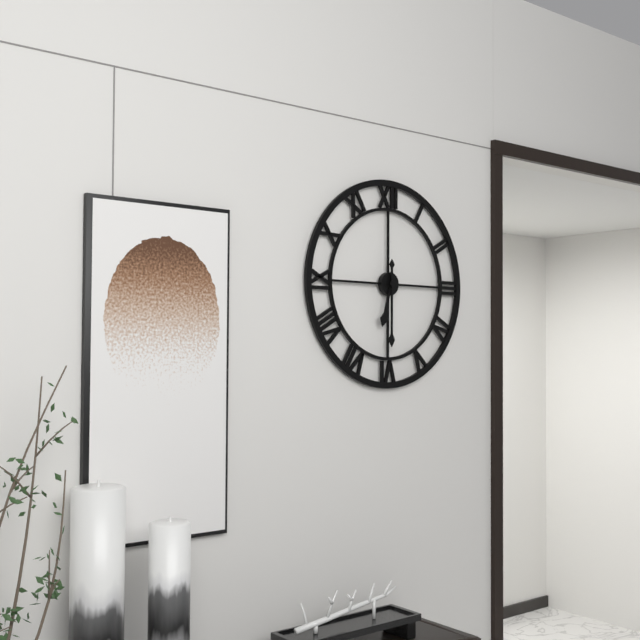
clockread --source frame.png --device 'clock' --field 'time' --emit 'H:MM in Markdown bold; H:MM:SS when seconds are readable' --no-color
**6:30**
